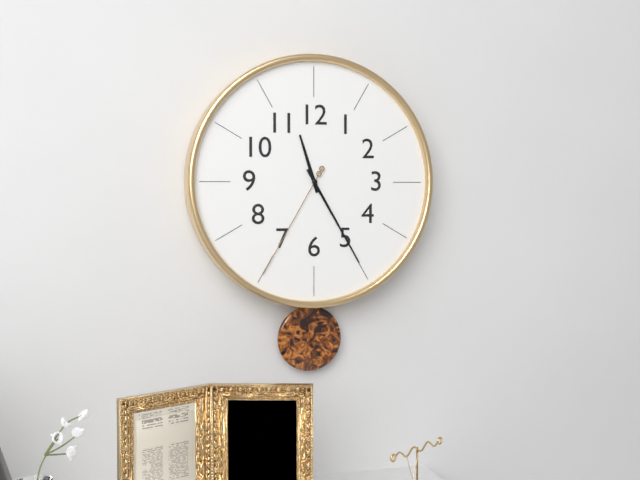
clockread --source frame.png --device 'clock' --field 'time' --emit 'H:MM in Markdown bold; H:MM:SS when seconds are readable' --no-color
**11:25:35**
